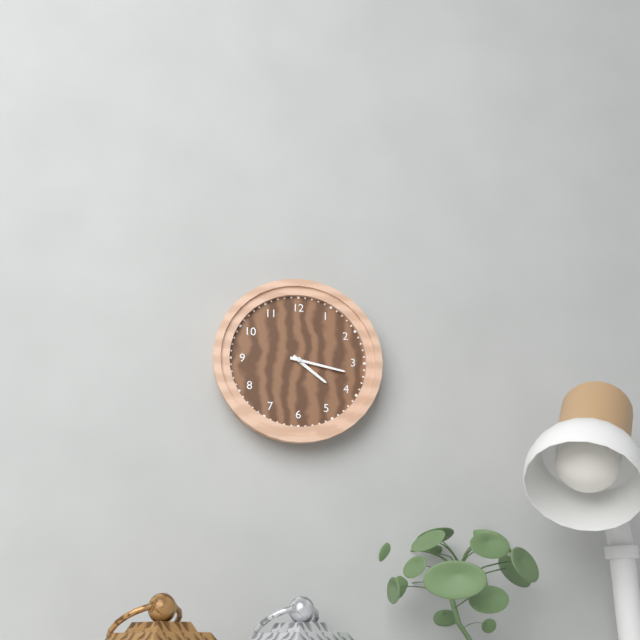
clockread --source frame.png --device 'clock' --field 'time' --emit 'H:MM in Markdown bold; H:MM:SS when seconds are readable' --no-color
**4:17**
